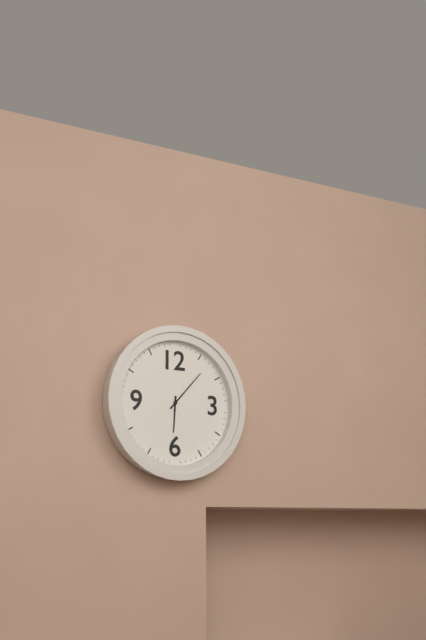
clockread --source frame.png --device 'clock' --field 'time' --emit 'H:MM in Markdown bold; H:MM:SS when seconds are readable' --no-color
**6:07**
